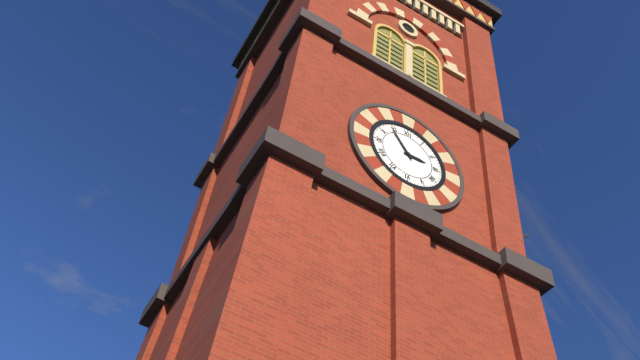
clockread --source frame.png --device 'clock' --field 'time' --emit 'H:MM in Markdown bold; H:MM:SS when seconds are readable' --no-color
**2:54**
